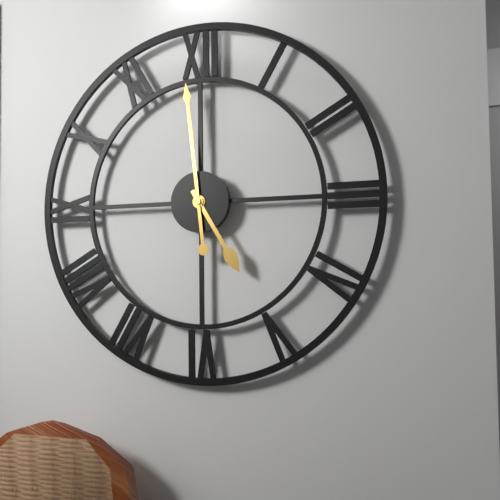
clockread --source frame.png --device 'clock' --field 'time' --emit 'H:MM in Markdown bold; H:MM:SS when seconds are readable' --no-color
**4:59**
